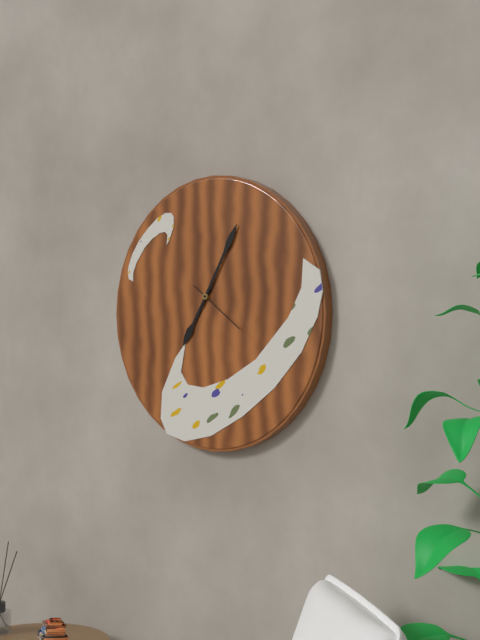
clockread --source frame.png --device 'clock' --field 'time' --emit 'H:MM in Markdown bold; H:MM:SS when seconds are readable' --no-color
**7:05:21**
